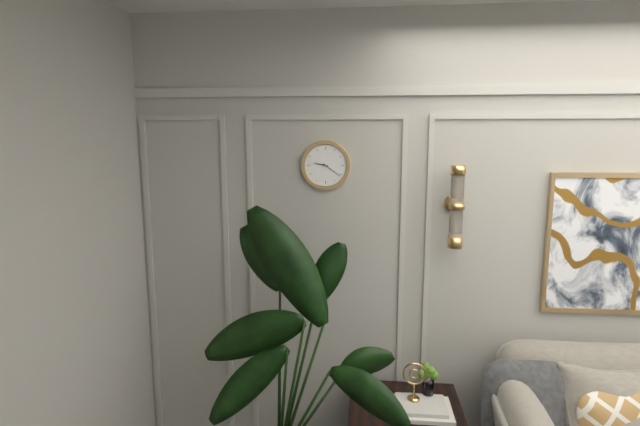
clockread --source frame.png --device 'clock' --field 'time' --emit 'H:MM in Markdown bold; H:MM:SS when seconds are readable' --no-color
**9:21**
